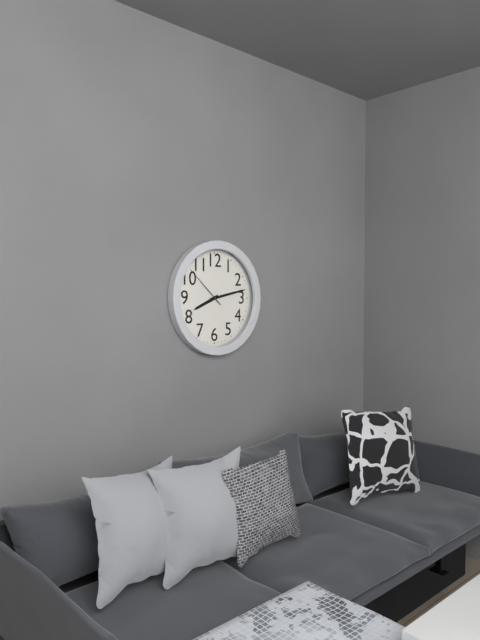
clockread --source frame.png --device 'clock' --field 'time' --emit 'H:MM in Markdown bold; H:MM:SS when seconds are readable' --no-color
**8:13**
